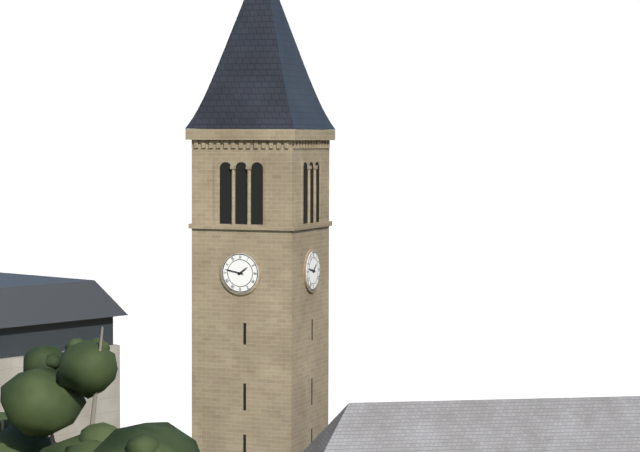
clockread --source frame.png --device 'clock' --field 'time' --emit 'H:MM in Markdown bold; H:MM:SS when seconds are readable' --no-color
**1:47**
